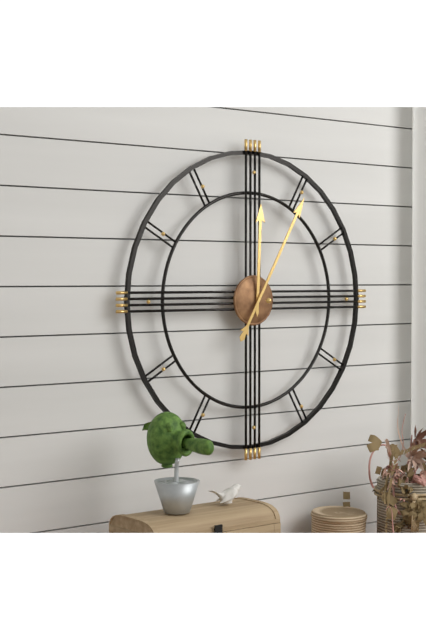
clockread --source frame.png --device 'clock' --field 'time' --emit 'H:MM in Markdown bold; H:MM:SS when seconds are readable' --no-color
**12:05**
